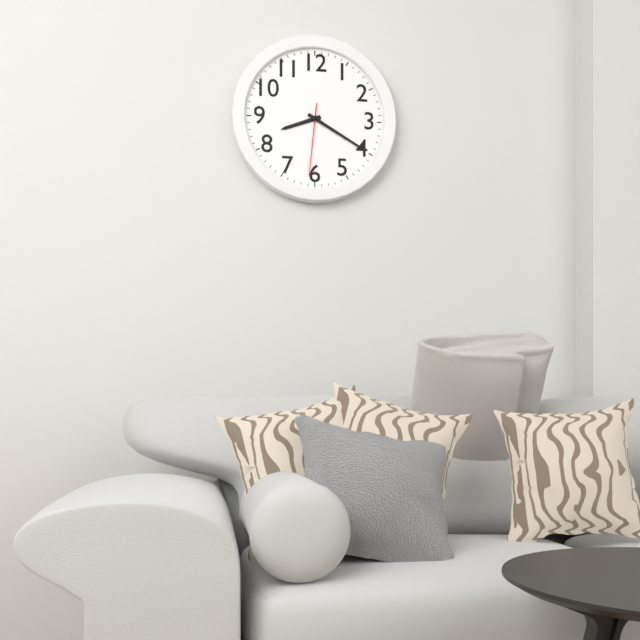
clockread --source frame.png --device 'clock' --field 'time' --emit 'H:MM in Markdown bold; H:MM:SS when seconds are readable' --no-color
**8:20:31**
